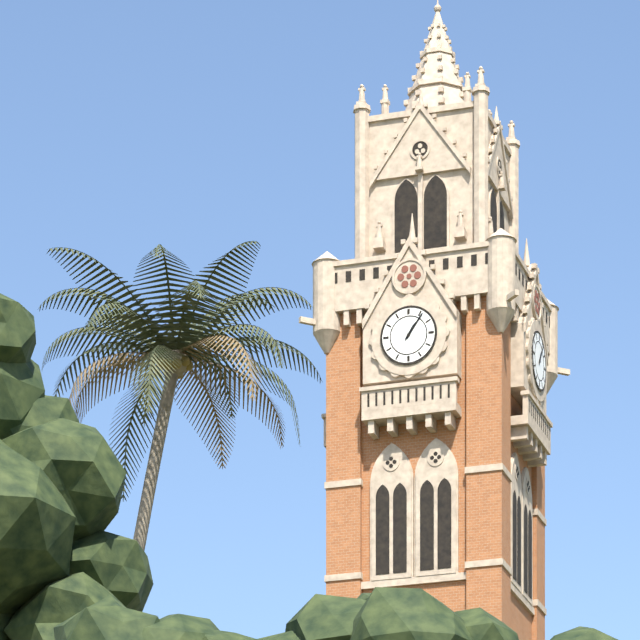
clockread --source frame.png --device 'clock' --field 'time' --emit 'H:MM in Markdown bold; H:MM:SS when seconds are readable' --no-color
**1:06**
